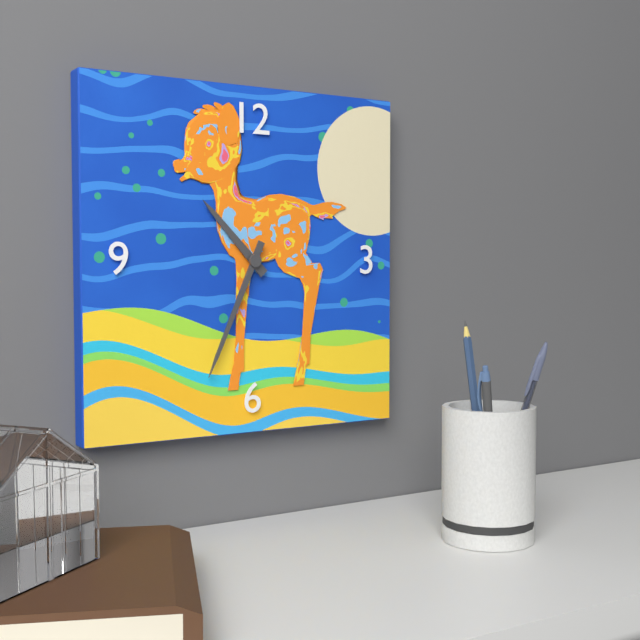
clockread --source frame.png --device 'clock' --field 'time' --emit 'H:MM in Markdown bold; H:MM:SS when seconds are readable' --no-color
**10:34**
